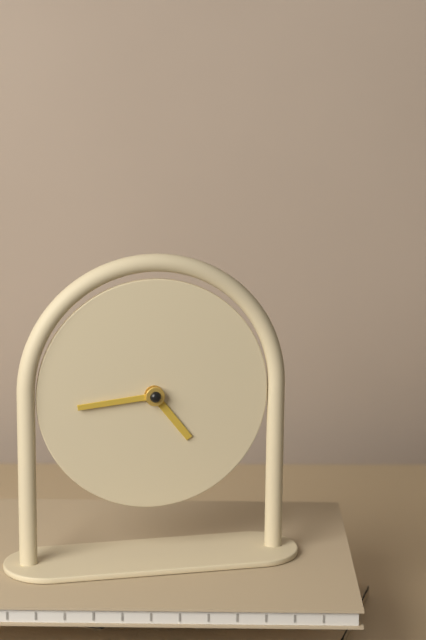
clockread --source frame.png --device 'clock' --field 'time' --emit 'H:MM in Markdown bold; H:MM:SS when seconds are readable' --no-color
**4:44**
